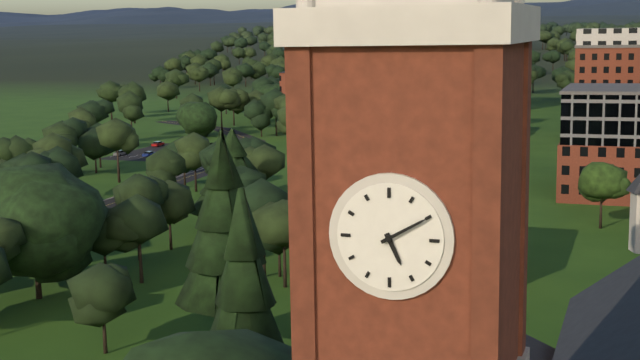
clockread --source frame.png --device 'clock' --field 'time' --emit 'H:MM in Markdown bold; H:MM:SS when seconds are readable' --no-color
**5:10**
